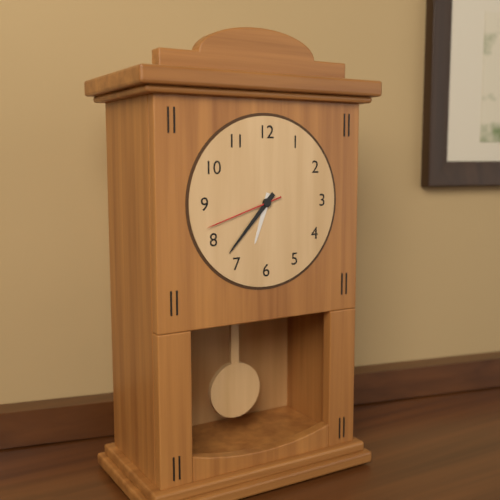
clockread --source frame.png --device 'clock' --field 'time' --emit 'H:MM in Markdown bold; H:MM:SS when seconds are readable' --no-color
**6:37:42**
